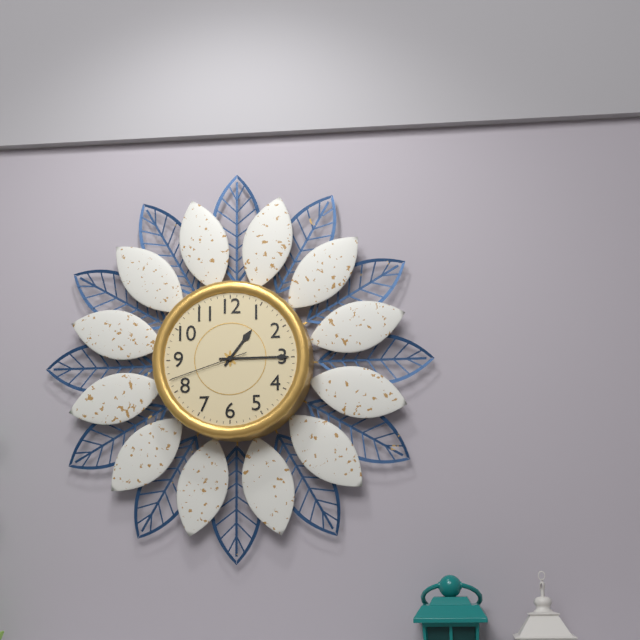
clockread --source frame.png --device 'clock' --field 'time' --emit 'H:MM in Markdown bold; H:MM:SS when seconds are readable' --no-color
**1:15:42**
